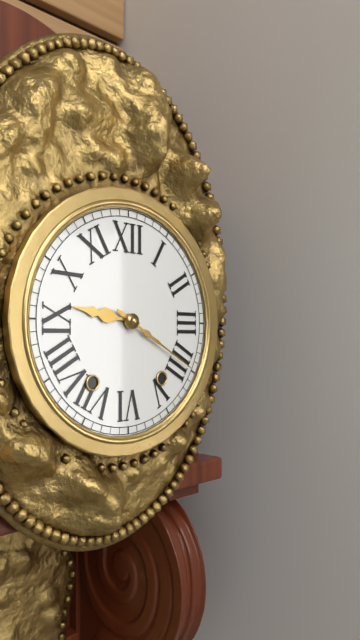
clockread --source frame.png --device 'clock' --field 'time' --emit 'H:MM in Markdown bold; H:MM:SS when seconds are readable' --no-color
**9:20**
